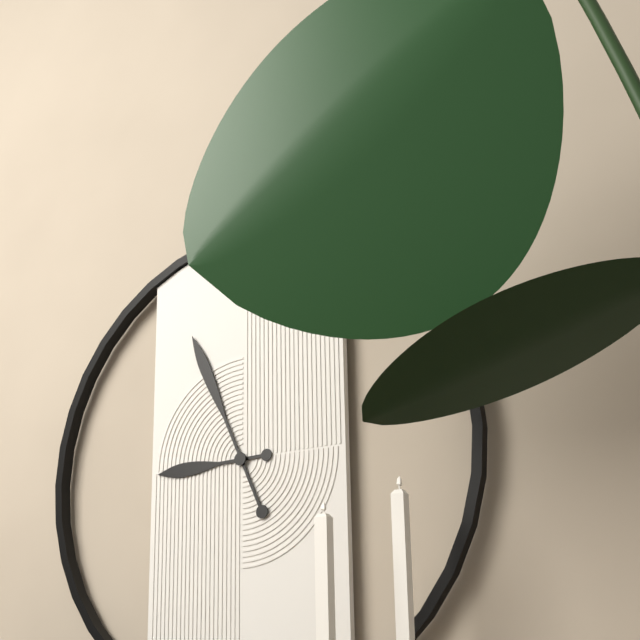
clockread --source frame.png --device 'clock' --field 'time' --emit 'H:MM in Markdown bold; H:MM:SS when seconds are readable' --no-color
**8:56**
